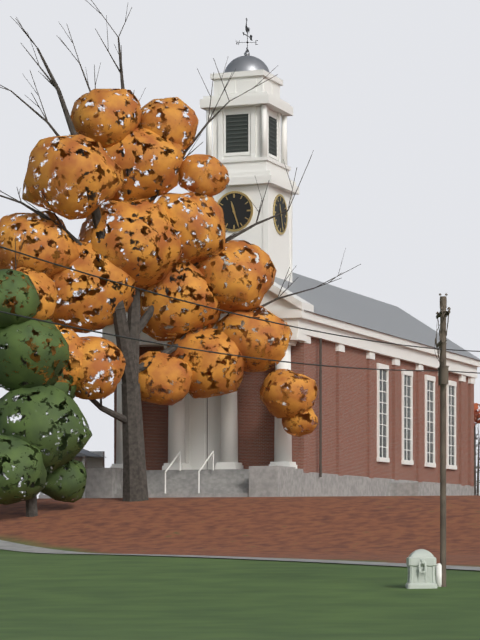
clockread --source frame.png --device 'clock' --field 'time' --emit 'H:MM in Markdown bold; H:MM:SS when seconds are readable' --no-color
**11:27**
